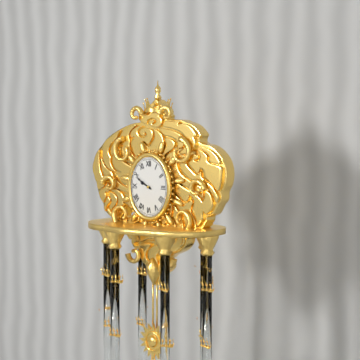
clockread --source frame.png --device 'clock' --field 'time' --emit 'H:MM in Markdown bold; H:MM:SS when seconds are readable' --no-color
**9:50**
